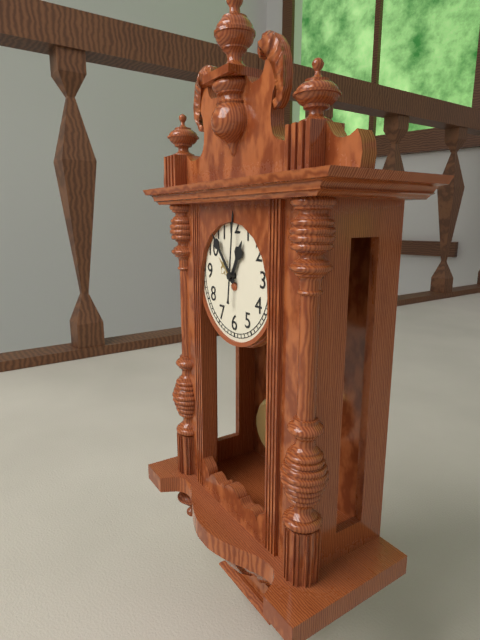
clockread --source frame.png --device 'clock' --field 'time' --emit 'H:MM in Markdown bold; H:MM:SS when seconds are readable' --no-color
**12:53:01**
